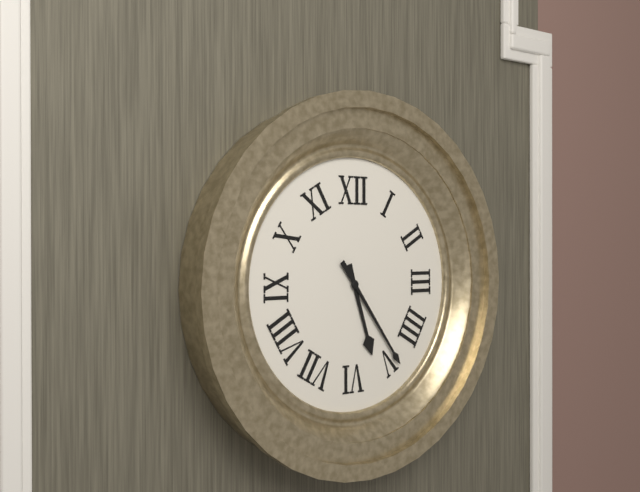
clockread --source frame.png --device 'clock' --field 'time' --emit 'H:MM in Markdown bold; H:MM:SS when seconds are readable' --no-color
**5:24**
